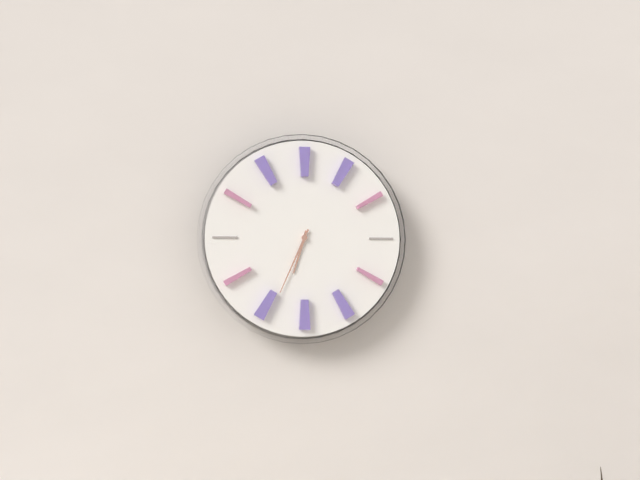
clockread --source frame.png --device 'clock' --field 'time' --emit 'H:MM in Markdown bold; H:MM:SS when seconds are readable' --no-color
**6:34**
